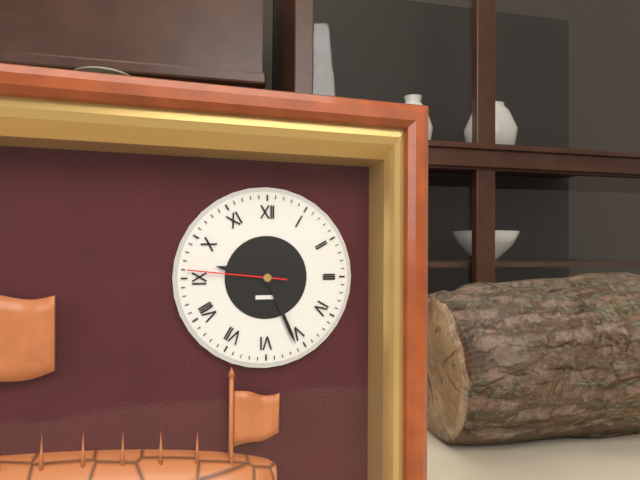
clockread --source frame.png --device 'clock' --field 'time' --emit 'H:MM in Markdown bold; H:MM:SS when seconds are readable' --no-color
**9:26:46**
